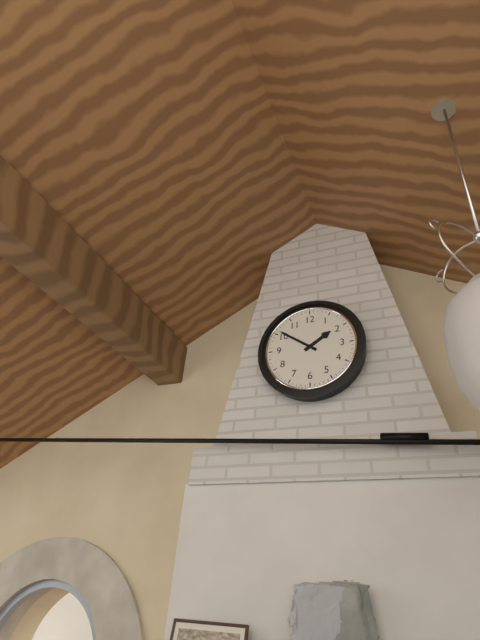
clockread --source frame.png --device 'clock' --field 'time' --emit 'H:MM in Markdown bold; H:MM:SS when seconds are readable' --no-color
**1:51**
